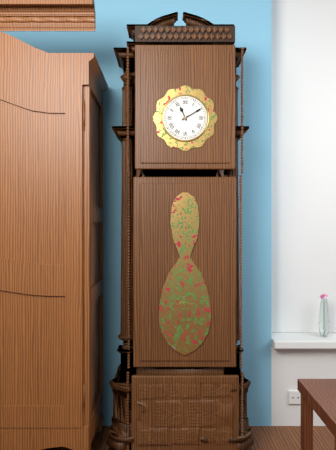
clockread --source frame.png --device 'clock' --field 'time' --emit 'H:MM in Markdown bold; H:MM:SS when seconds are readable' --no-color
**11:10**
